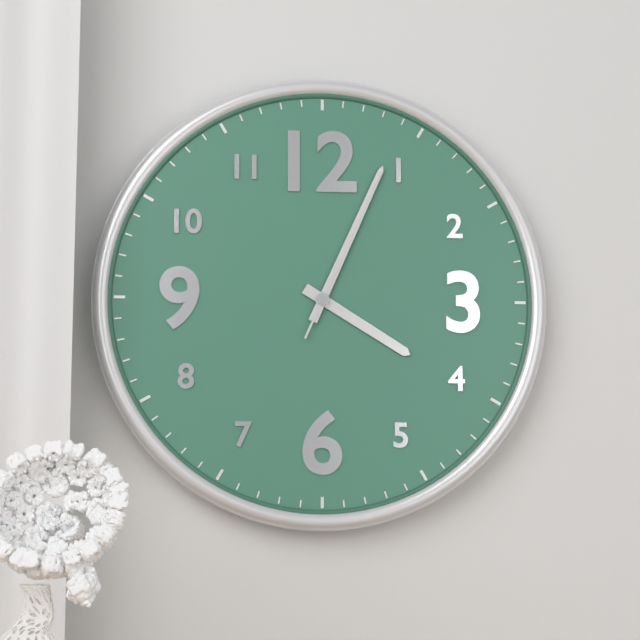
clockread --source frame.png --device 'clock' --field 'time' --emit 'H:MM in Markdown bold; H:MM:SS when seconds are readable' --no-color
**4:04:04**
